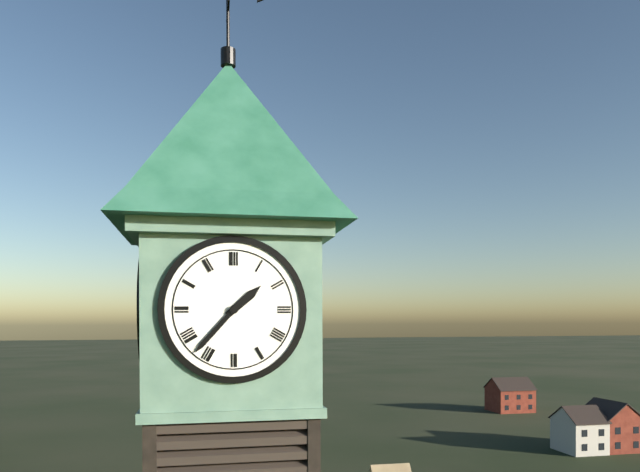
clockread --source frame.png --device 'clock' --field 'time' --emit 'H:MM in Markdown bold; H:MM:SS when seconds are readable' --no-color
**1:37**
